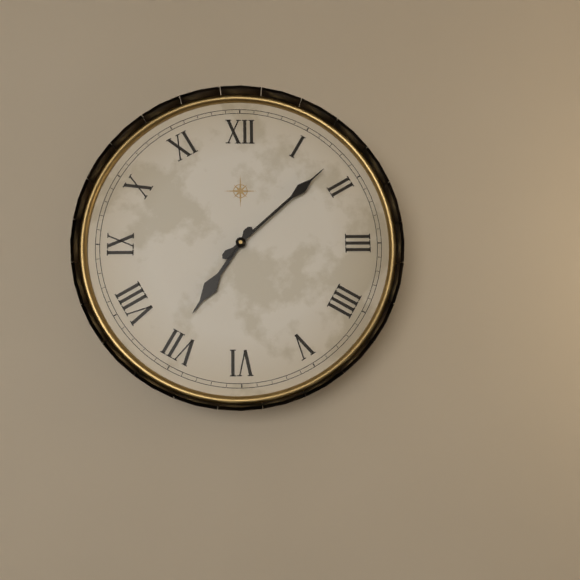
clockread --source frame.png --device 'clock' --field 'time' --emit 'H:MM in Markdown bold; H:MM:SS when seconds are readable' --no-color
**7:08**
